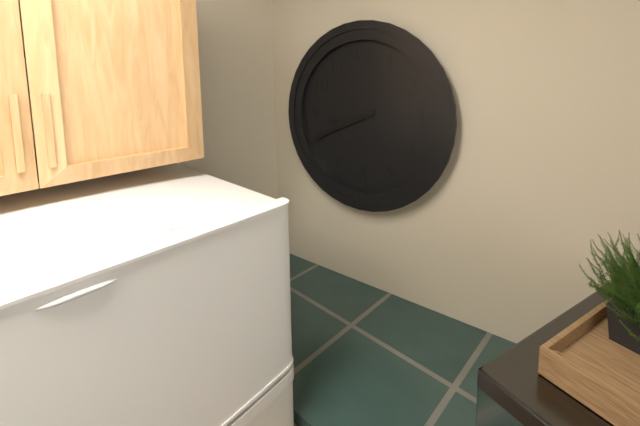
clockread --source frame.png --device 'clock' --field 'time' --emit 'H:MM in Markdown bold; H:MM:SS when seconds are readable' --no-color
**8:41**
